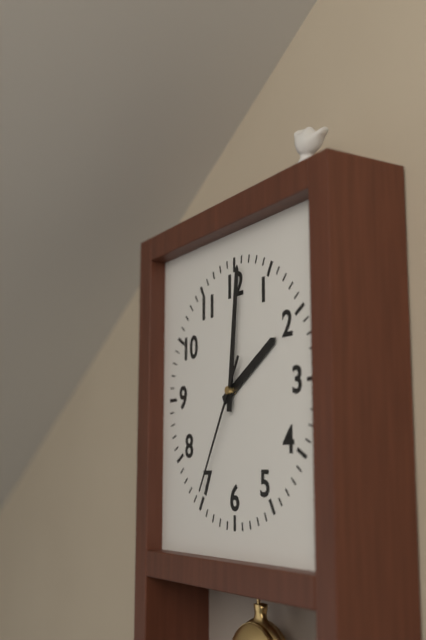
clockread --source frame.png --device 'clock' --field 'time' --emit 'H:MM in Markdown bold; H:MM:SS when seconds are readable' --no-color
**2:01:35**
